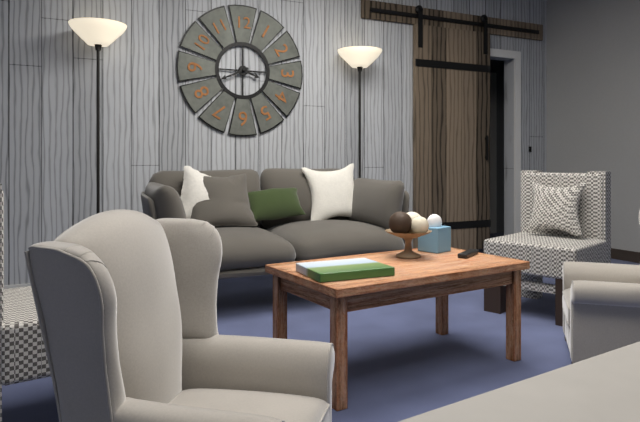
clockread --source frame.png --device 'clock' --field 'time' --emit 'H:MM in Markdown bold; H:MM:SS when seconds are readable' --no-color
**3:41**
